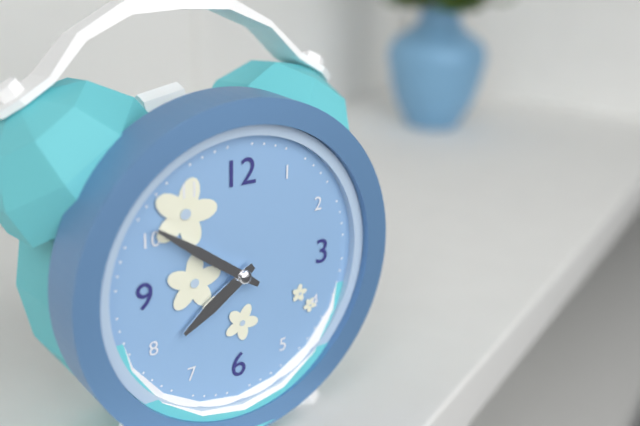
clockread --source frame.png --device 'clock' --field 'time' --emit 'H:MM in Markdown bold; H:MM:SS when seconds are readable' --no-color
**7:51**
